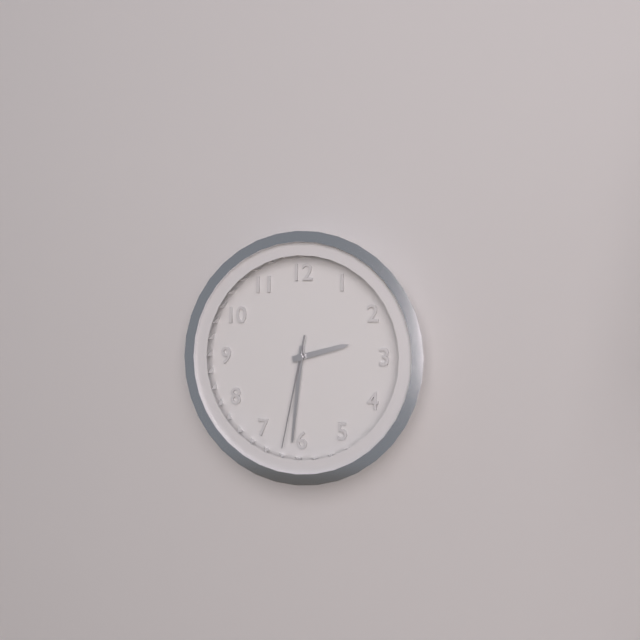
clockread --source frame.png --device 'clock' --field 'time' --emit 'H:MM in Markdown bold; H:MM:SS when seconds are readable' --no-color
**2:31:32**
